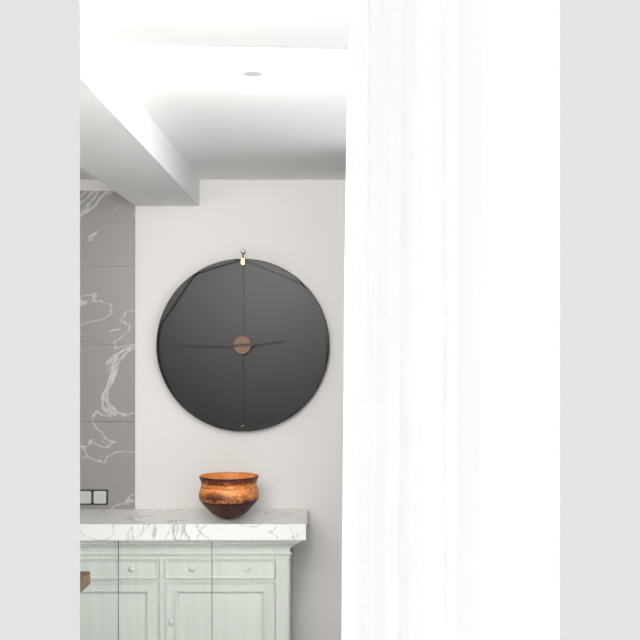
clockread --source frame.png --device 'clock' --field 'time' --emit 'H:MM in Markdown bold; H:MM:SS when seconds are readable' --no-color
**2:45**
